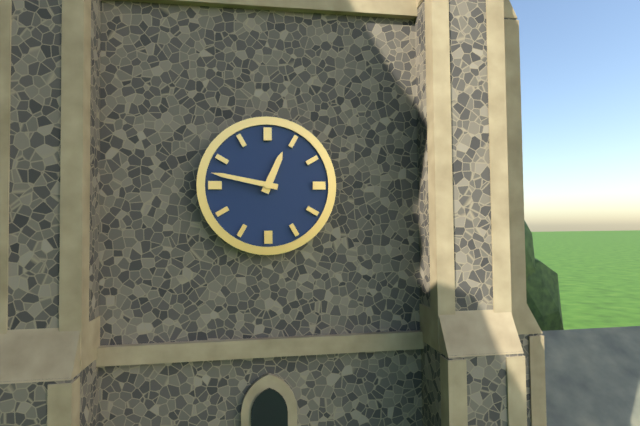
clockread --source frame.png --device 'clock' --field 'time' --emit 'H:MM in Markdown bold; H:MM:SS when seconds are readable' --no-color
**12:47**
